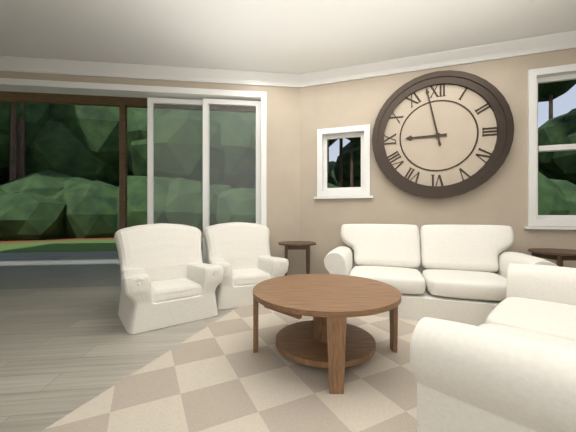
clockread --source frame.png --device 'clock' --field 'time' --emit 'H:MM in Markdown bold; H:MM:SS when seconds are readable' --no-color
**8:58**
